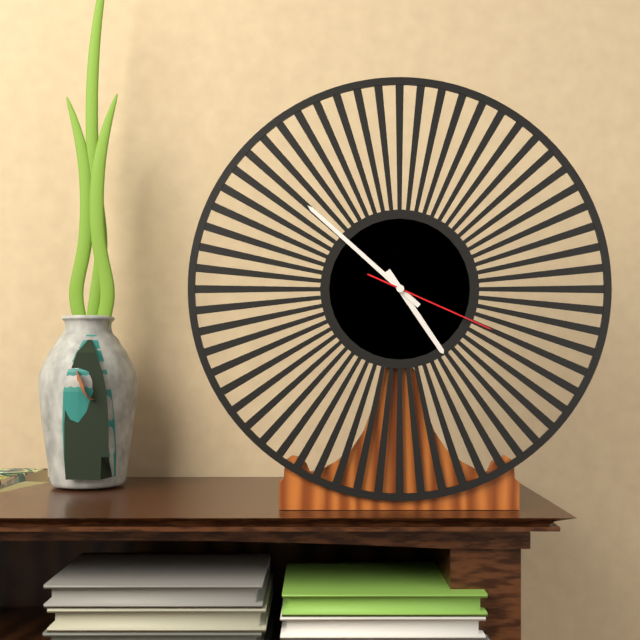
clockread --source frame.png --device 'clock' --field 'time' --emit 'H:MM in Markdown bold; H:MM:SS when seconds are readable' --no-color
**4:52:19**
